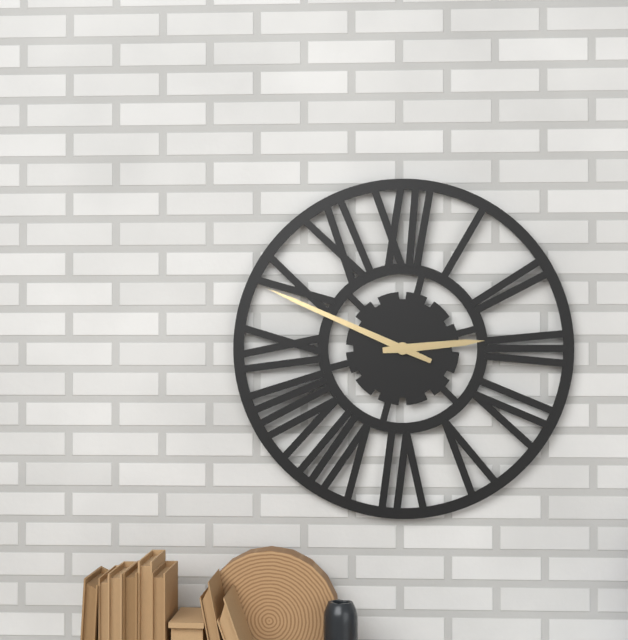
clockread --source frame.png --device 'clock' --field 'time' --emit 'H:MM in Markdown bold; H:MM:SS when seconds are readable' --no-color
**2:49**
